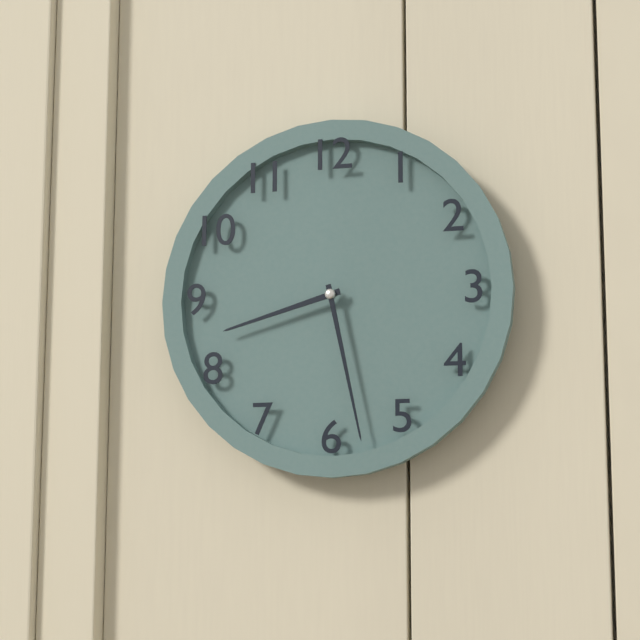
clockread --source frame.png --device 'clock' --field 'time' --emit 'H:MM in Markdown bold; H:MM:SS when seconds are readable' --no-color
**8:28**
